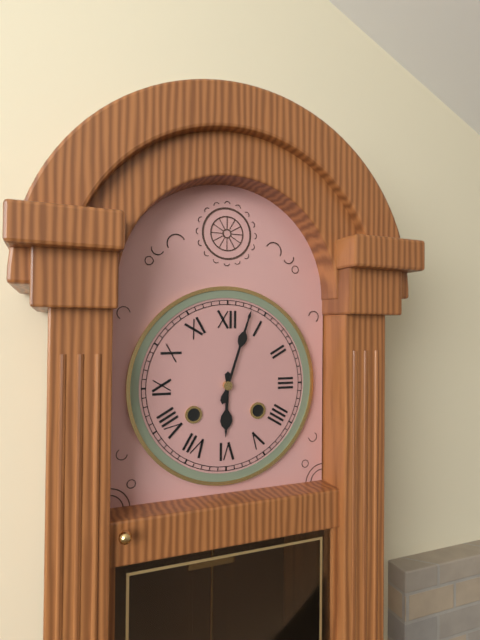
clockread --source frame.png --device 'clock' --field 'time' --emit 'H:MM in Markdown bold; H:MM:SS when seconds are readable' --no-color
**6:03**
